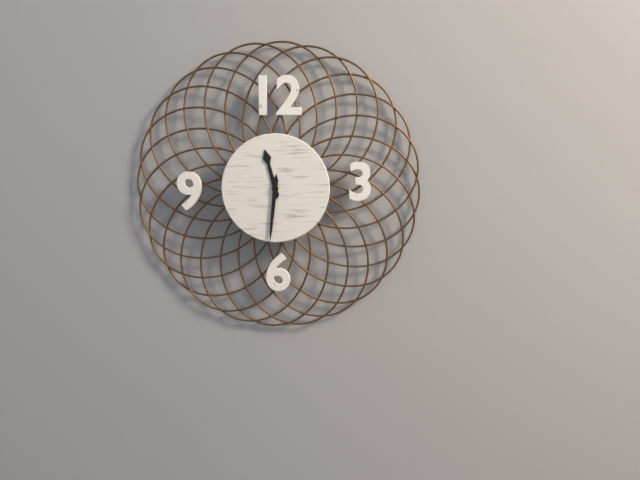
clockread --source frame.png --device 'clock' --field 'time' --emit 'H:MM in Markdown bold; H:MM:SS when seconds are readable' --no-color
**11:31**
